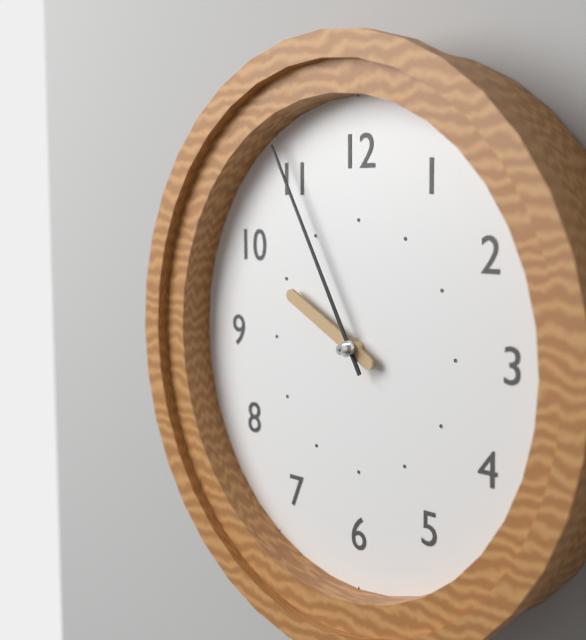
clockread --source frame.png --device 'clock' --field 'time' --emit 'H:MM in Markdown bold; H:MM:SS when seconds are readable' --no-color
**9:55**
